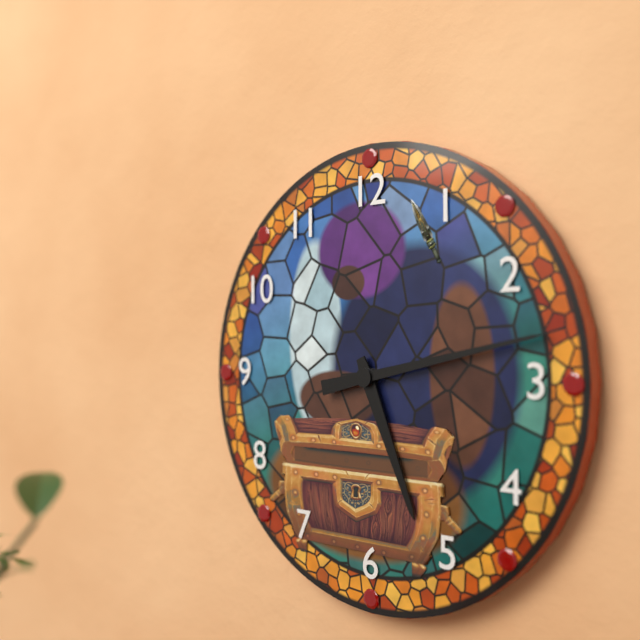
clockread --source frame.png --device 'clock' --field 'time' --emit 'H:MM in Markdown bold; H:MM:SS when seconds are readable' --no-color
**5:13**
